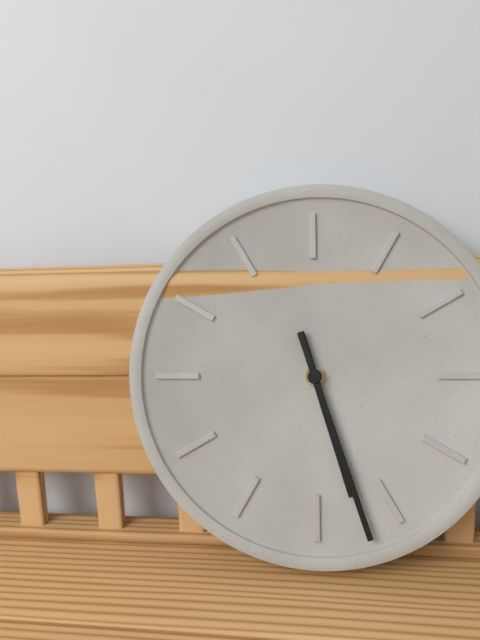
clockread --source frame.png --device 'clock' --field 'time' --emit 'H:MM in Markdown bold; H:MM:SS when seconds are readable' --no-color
**5:27**
